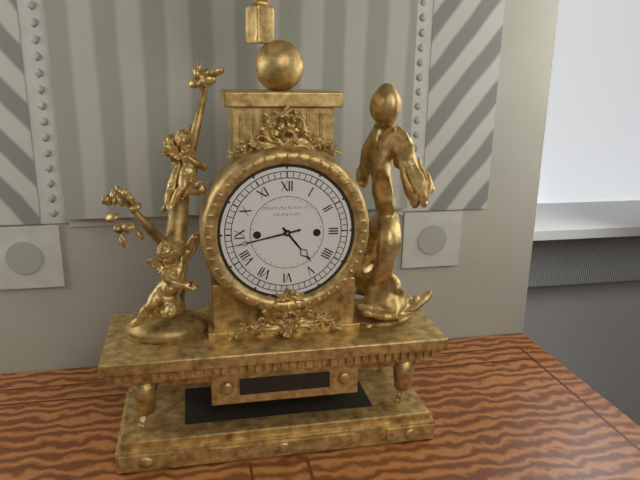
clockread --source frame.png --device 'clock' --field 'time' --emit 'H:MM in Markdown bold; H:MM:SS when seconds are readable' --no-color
**4:43**
